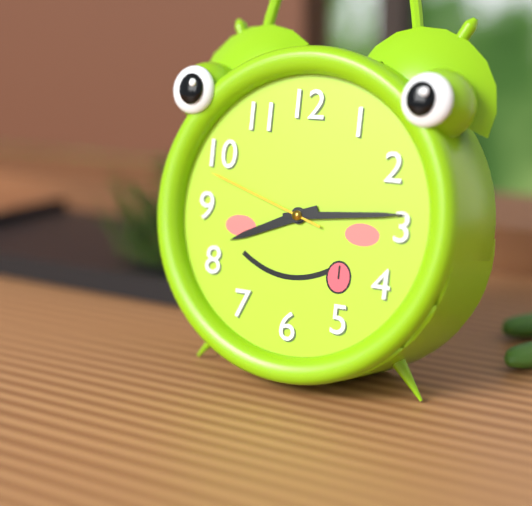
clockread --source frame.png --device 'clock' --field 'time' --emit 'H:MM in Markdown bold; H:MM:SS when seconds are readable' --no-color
**8:14:48**
